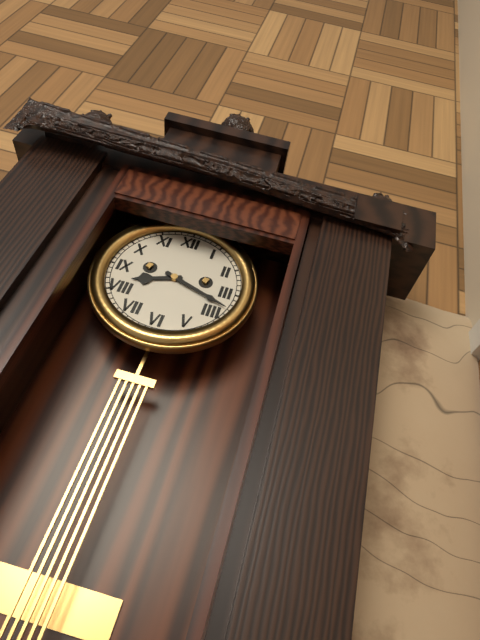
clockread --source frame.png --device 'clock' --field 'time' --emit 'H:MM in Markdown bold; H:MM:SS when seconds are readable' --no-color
**8:18**
